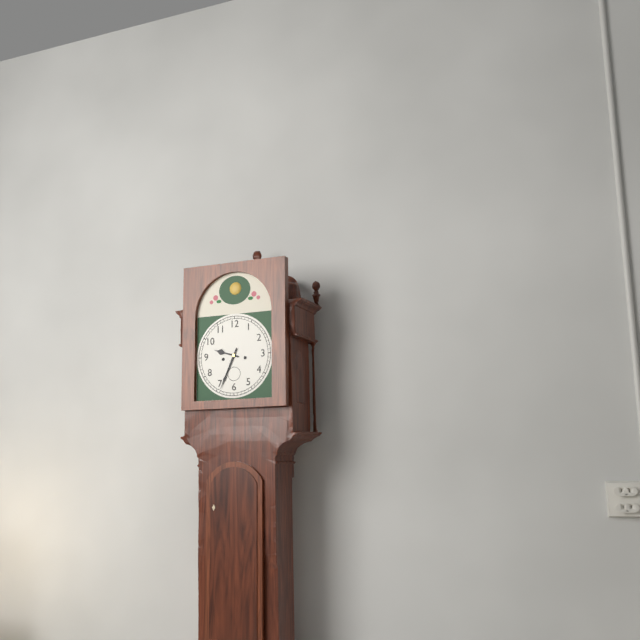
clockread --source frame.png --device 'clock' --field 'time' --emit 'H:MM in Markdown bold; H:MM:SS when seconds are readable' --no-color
**9:34**
